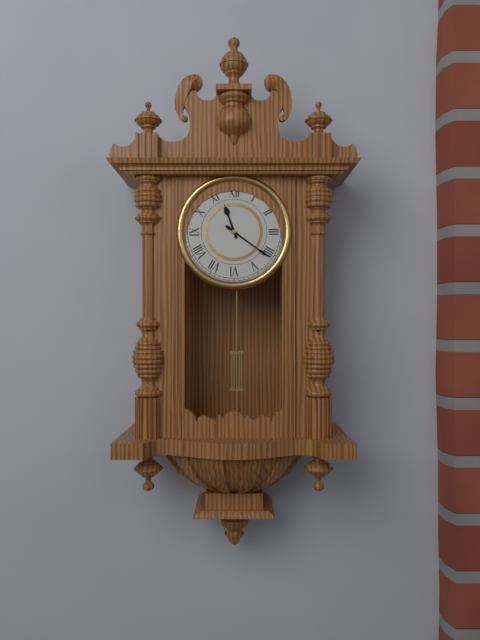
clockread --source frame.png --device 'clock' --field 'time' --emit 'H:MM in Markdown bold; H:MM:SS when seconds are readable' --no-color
**11:21**
